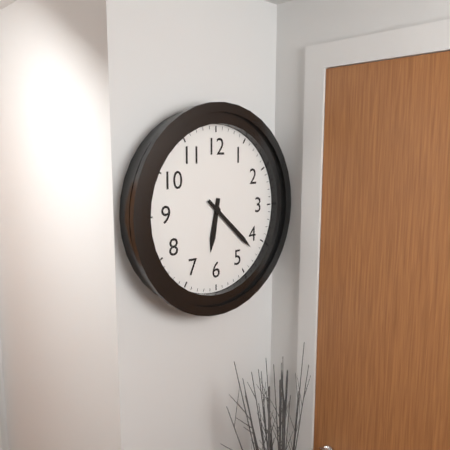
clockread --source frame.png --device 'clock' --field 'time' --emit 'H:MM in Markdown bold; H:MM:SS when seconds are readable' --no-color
**6:22**
